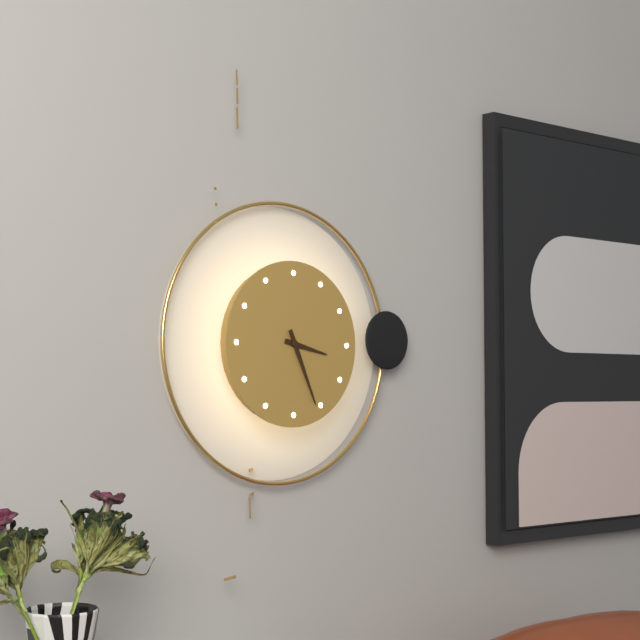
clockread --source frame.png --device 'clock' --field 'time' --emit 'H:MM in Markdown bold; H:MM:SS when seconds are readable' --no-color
**3:26**
